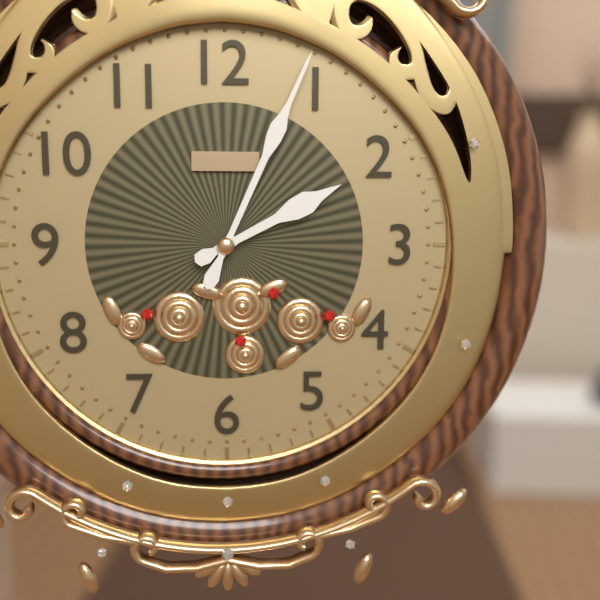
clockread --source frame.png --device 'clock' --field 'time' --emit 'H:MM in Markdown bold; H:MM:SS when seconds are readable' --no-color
**2:04**
